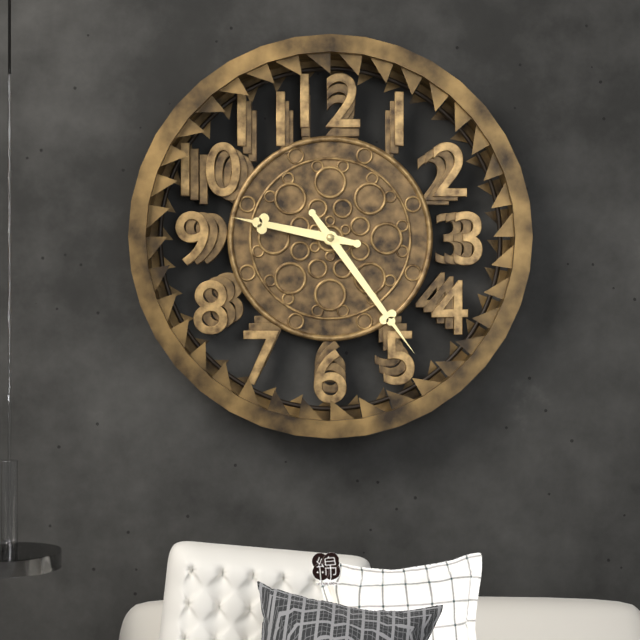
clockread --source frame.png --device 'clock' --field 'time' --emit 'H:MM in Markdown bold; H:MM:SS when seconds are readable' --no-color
**9:24**
